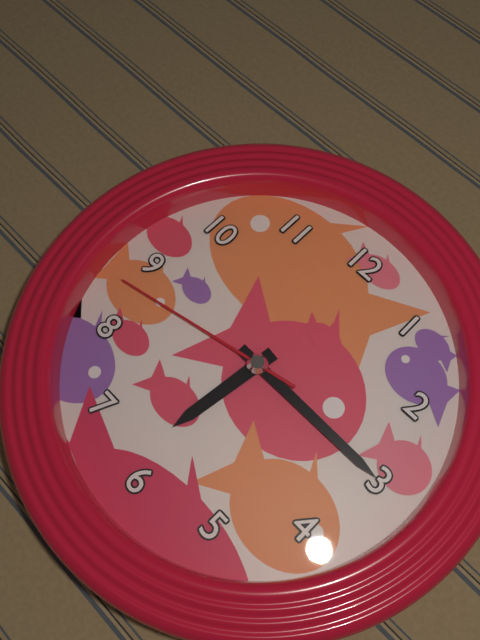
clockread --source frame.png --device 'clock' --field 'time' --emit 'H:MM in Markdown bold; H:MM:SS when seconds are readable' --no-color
**6:15:43**
